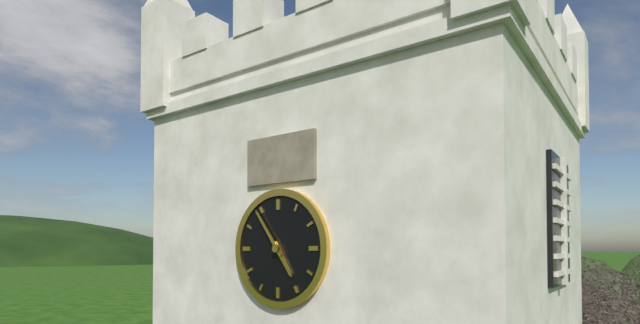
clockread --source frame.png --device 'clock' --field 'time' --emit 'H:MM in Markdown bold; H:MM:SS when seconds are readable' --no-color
**4:54**
